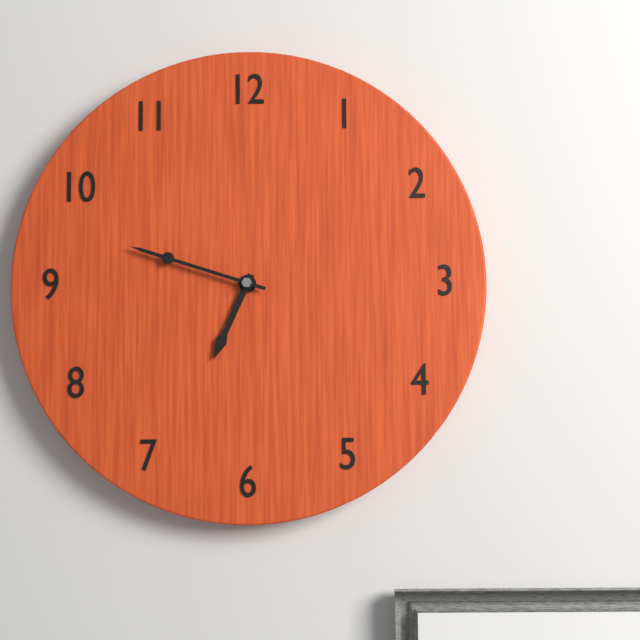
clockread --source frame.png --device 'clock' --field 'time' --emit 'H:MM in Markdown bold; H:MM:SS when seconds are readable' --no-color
**6:48**
